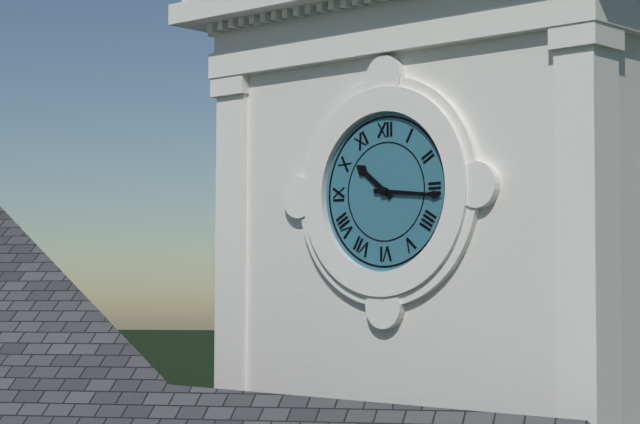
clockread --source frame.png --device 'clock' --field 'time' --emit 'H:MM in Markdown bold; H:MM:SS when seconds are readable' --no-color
**10:16**
